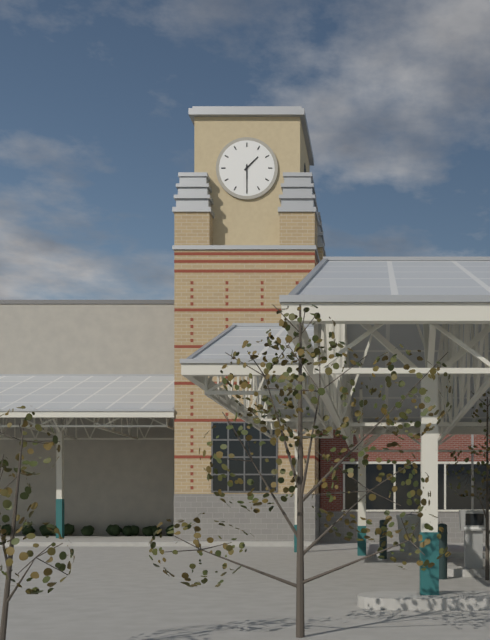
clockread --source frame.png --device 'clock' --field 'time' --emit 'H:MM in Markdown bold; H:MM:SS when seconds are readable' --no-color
**1:30**
